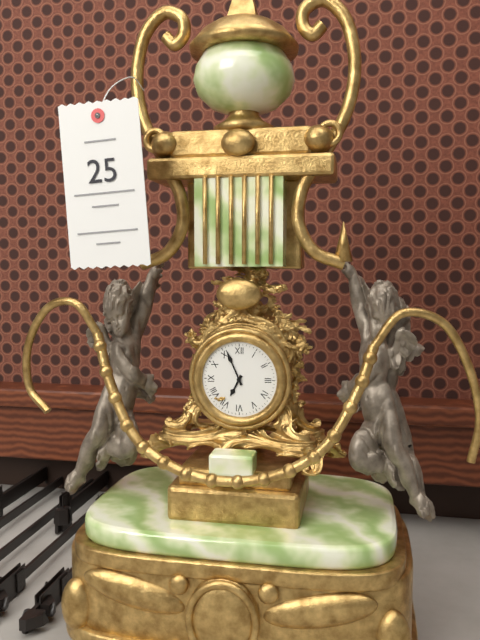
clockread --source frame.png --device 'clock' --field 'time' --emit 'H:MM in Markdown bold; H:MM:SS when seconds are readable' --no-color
**6:56**
